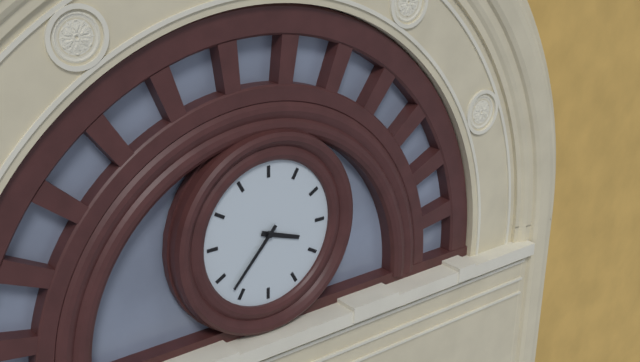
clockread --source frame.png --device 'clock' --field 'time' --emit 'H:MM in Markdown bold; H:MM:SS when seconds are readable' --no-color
**3:37**
